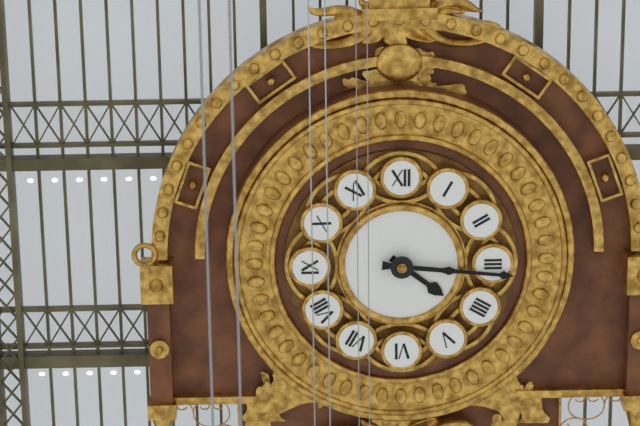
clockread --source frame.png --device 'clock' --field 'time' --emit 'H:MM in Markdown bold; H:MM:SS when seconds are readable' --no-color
**4:16**
